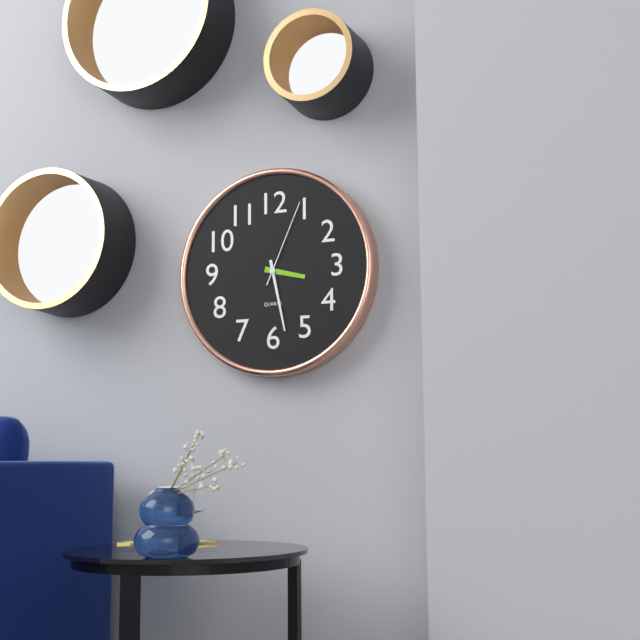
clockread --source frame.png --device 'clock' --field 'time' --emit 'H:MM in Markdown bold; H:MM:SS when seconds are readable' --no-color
**3:28:04**
